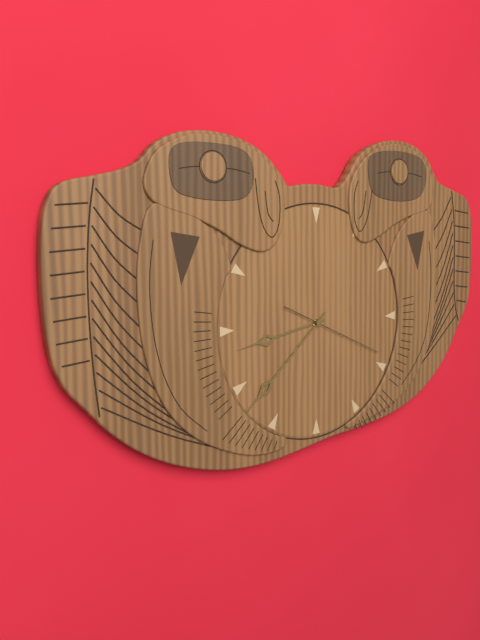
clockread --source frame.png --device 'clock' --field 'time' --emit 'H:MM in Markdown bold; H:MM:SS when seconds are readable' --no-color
**8:38:19**
